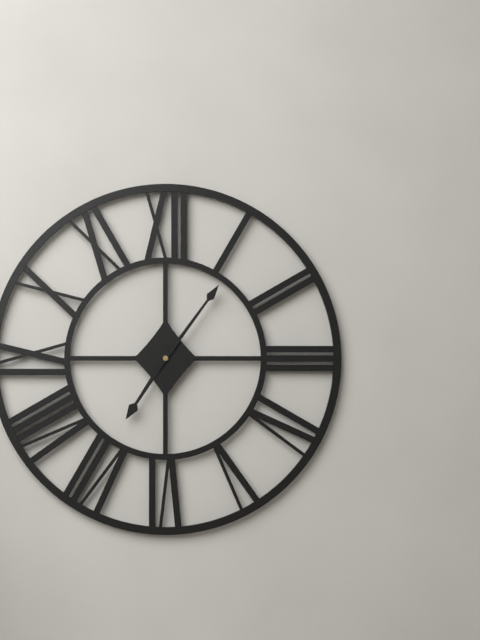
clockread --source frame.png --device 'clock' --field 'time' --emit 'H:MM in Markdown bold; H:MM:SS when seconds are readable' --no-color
**7:06**
